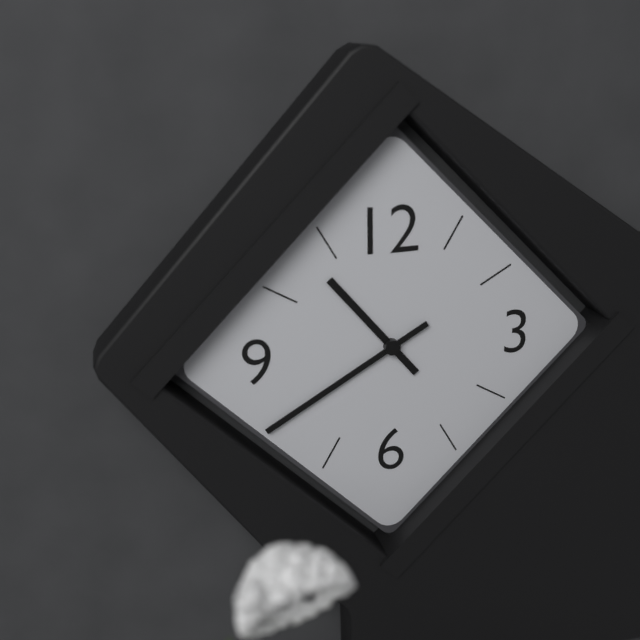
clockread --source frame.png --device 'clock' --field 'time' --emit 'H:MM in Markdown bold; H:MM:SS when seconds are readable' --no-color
**10:40**
